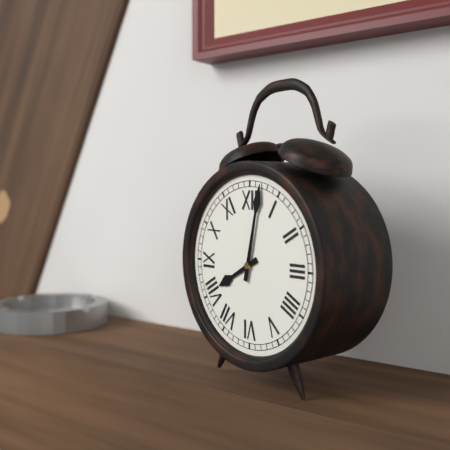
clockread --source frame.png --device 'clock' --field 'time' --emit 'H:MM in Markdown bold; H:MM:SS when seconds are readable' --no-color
**8:02**
